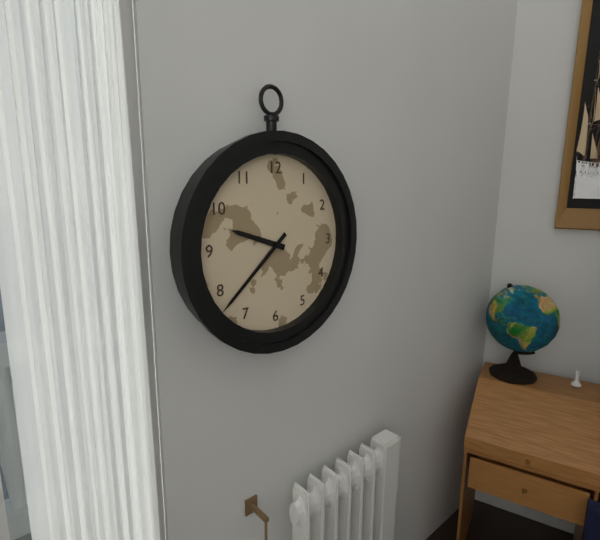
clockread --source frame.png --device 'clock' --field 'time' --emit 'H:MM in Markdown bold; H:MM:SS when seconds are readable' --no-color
**9:38**
